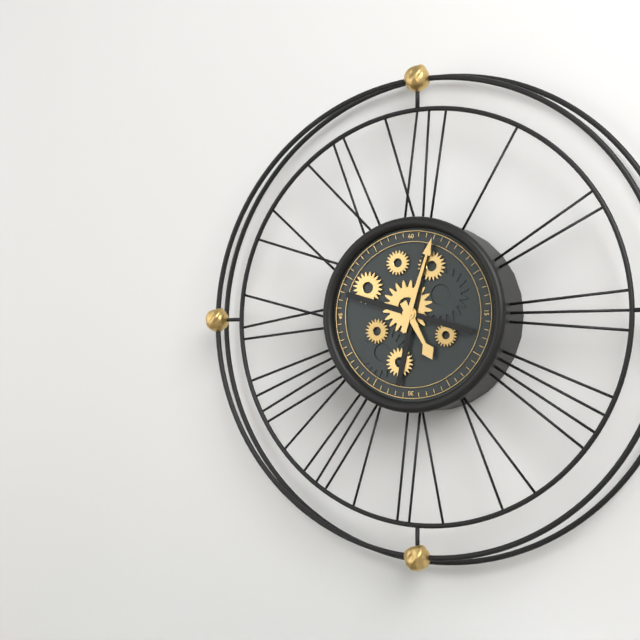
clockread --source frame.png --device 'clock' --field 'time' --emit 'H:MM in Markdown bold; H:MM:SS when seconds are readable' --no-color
**5:03**
